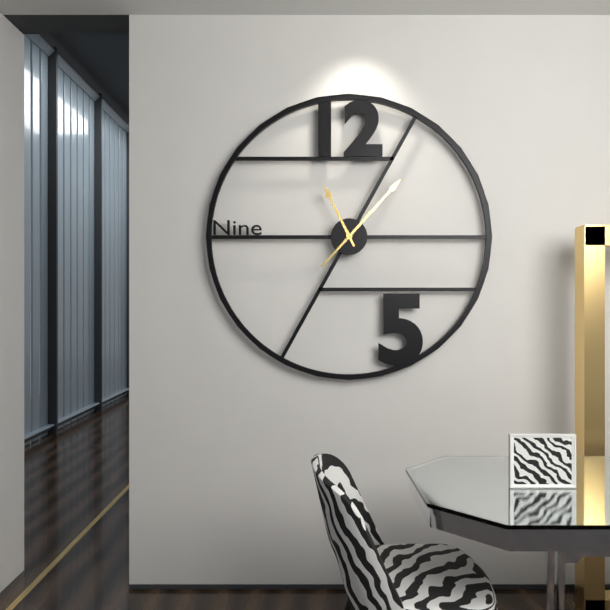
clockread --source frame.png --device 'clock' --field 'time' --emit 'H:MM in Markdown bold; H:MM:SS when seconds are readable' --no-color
**11:07**
